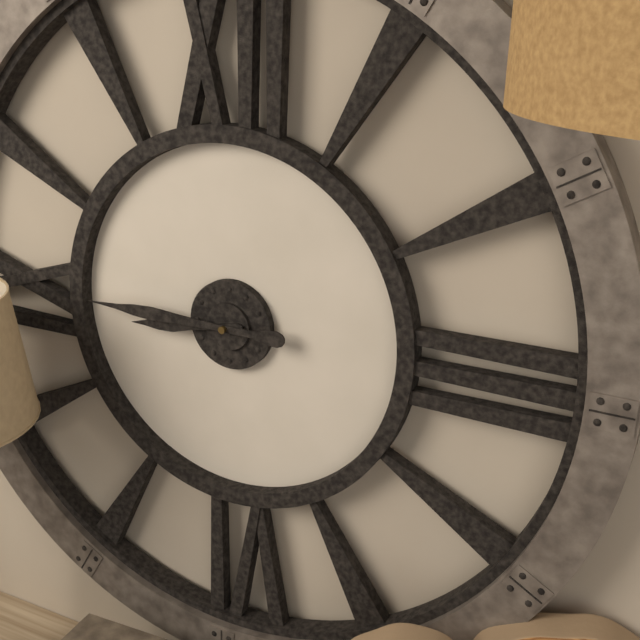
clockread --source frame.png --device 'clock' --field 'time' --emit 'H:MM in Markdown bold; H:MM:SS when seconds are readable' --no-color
**8:45**
